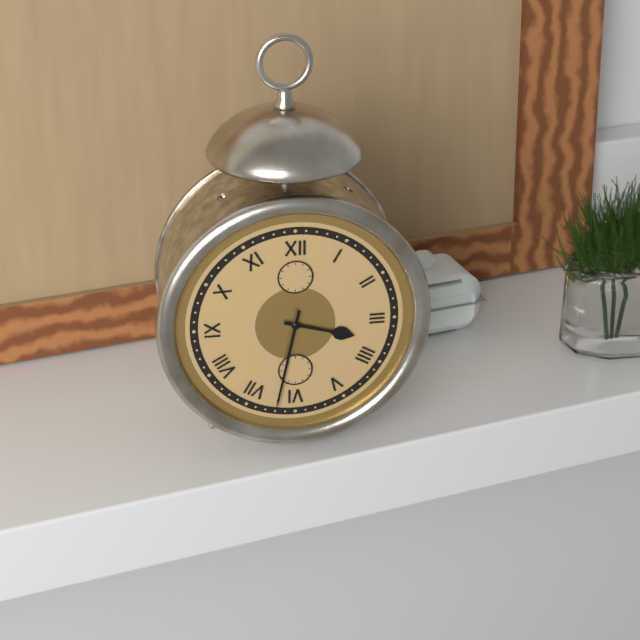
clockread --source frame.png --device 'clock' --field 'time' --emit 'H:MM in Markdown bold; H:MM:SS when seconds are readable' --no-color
**3:32**
